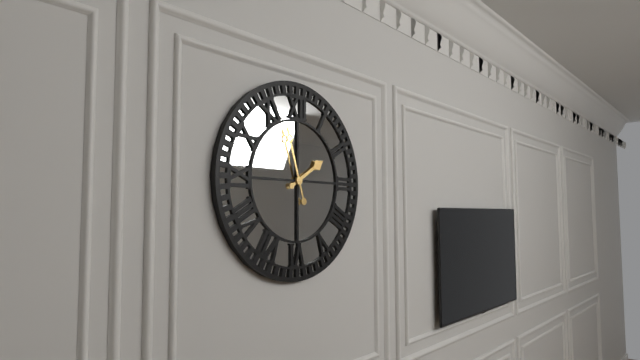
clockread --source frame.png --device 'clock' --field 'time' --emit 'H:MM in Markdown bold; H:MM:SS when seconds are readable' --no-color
**1:57**
